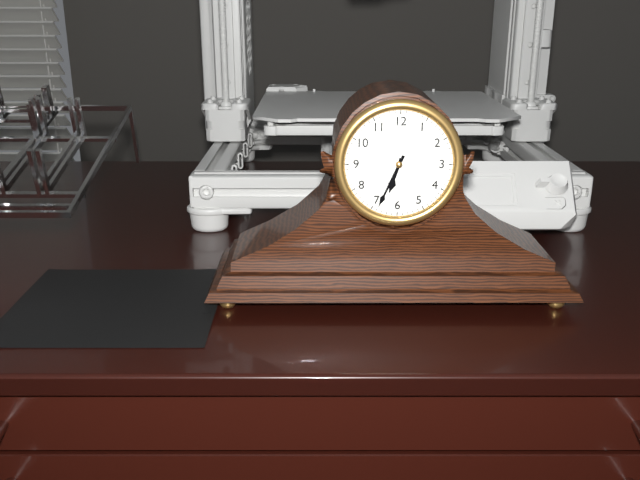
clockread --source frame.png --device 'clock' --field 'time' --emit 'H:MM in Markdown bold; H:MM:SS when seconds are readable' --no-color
**6:34**
